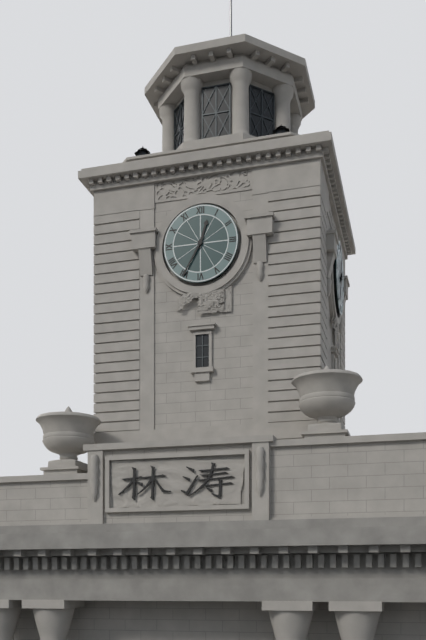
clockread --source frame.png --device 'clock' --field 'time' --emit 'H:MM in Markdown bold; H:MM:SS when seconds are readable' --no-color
**12:35**
